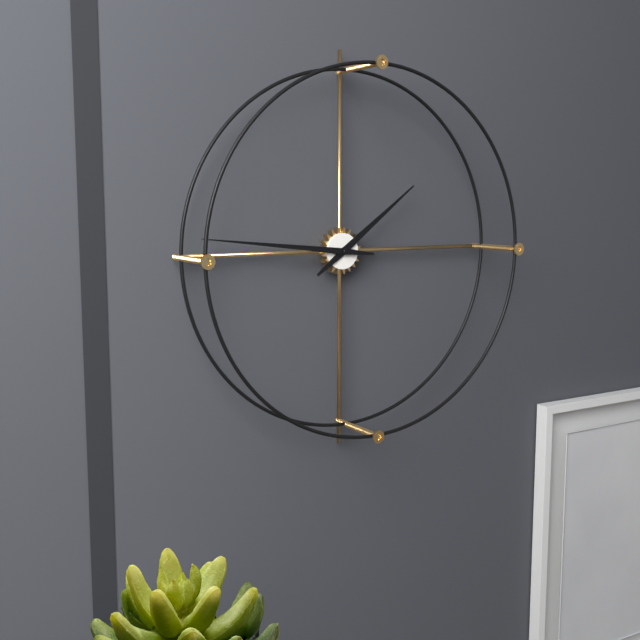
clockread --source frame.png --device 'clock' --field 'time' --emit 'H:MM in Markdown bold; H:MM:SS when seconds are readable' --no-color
**1:46**
